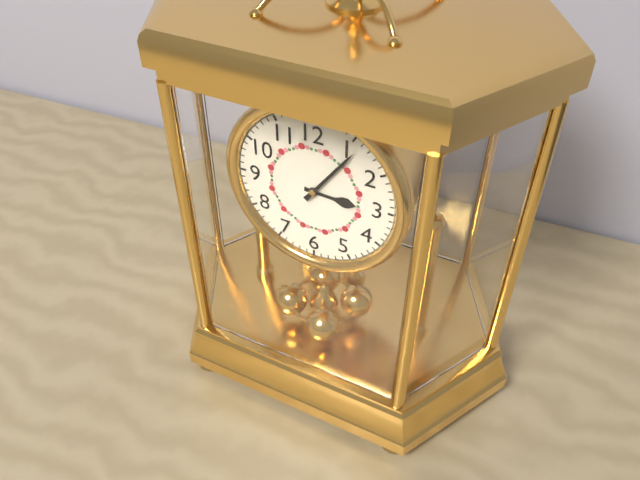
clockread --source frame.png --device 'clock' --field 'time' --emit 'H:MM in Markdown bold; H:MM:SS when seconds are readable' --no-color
**3:06**
